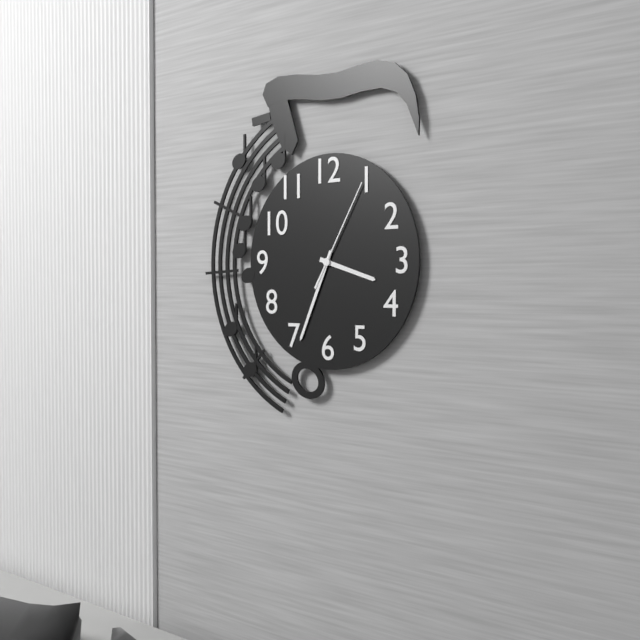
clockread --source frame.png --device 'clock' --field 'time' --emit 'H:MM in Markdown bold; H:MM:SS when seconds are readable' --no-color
**3:34:05**
